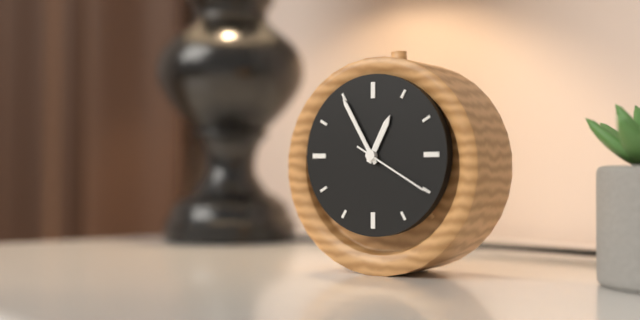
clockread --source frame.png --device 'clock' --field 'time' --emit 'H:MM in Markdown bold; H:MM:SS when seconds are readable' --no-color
**12:55:20**
